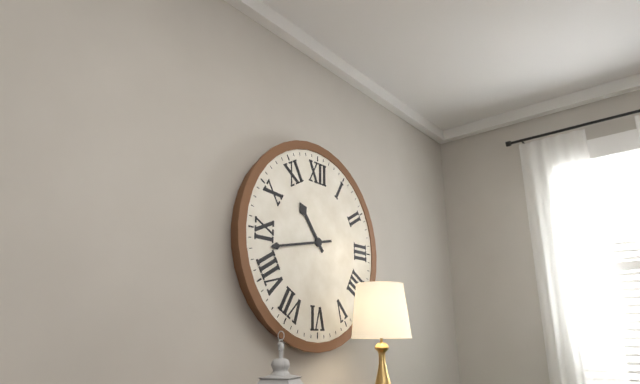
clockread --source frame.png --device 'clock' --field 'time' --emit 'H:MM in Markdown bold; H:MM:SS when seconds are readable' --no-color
**10:43**
